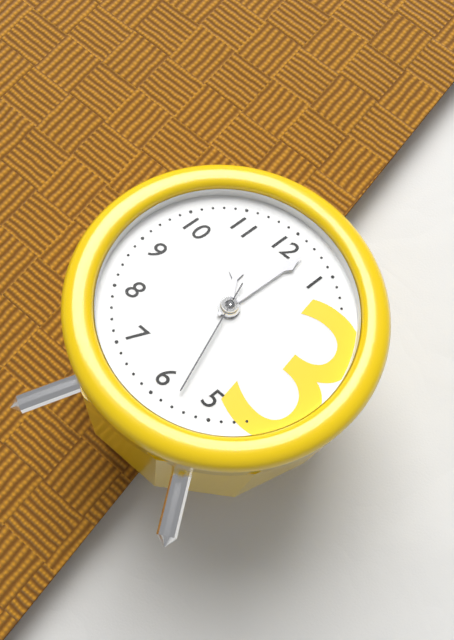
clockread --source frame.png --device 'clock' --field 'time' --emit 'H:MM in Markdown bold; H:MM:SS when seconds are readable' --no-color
**11:02:28**
